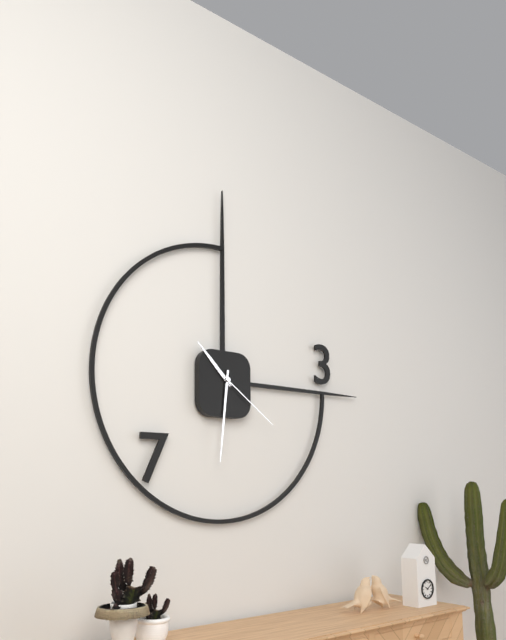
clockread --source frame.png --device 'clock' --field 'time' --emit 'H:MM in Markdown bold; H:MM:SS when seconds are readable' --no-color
**10:31:21**
